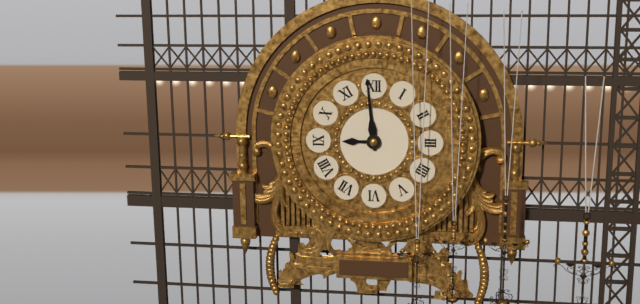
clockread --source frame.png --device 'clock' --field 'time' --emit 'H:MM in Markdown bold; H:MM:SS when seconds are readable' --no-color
**8:59**
